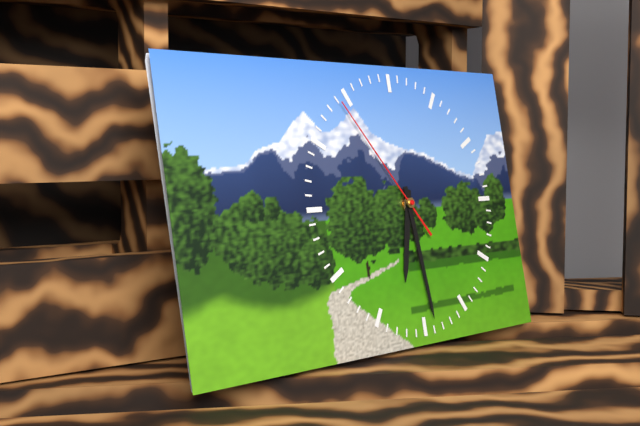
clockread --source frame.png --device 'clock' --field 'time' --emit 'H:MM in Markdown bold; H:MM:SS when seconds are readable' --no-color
**6:29:54**
